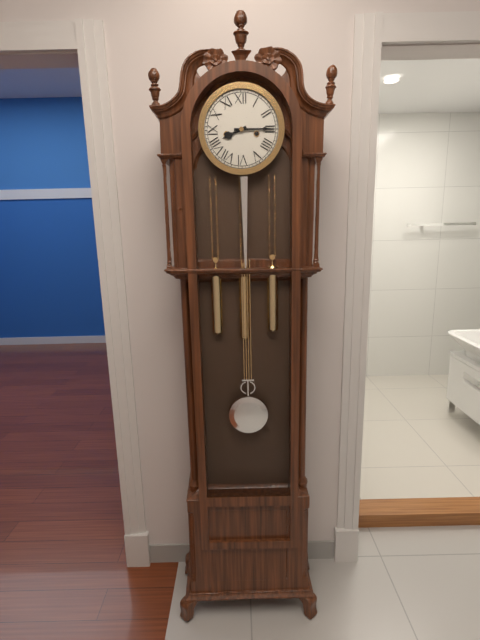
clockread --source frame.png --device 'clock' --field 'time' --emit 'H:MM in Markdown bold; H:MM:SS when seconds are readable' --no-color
**8:15**
